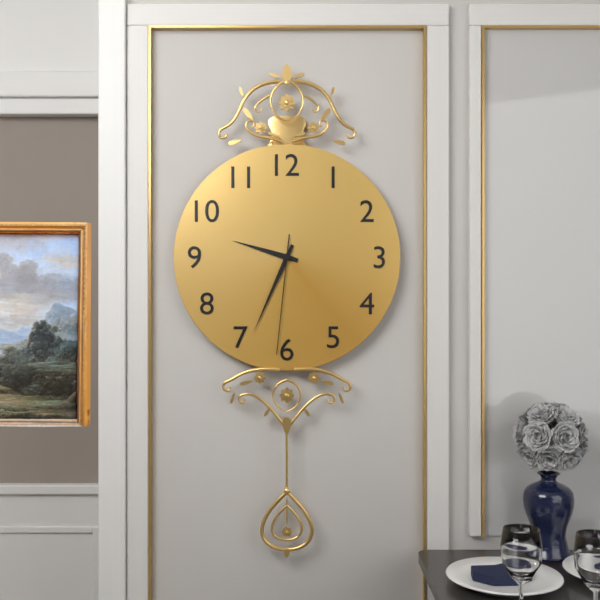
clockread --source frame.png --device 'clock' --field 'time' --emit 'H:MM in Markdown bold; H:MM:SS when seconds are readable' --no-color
**9:34:31**
